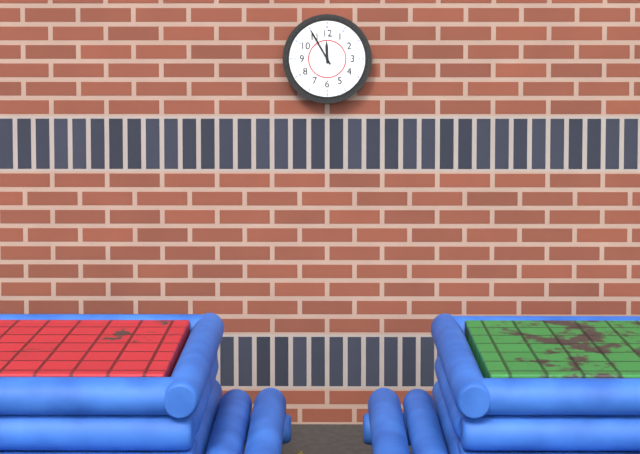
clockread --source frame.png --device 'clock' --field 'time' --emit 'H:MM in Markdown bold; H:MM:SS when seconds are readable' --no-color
**11:55**
